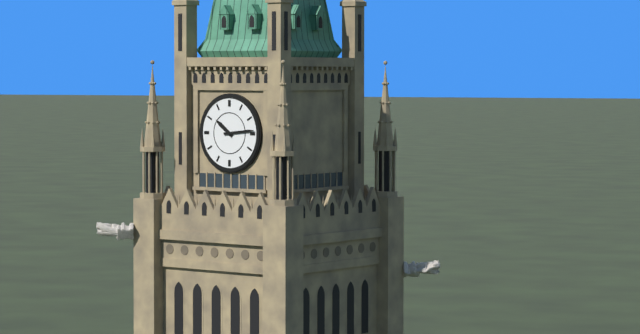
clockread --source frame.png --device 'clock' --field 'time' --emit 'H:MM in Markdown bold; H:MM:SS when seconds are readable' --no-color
**10:14**
